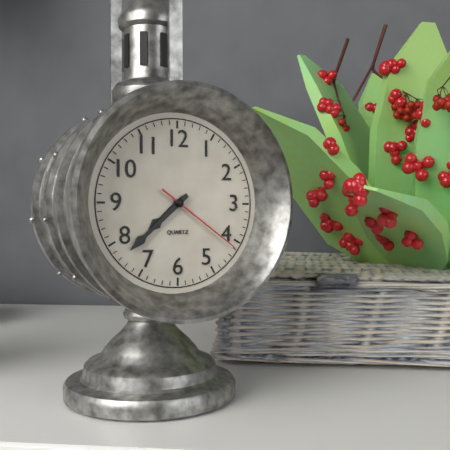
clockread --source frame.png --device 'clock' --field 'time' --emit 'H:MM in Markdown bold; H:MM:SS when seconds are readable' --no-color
**7:38:21**
